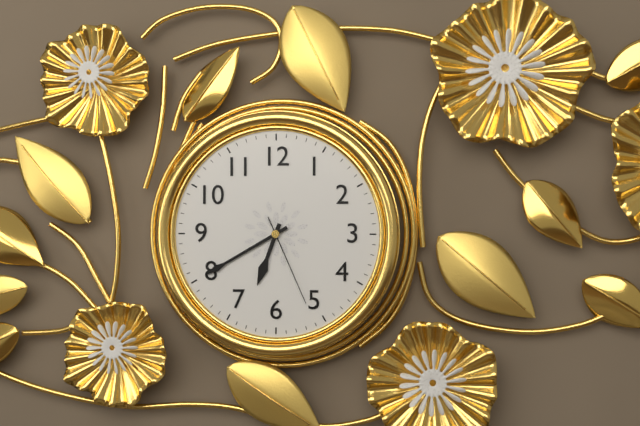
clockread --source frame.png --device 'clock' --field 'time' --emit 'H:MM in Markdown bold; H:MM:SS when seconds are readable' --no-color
**6:40:26**
